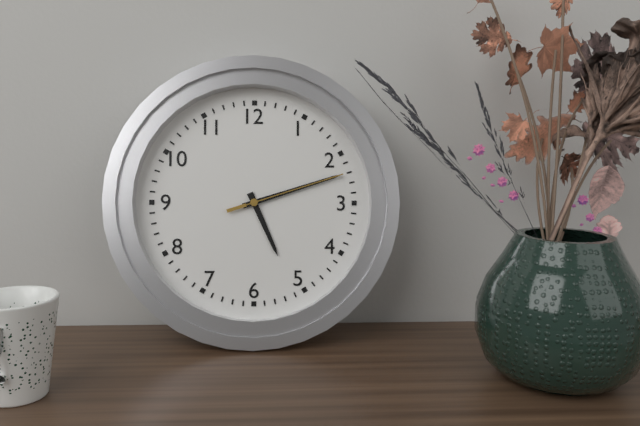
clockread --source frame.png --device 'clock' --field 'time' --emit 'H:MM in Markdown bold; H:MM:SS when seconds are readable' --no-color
**5:12:12**
